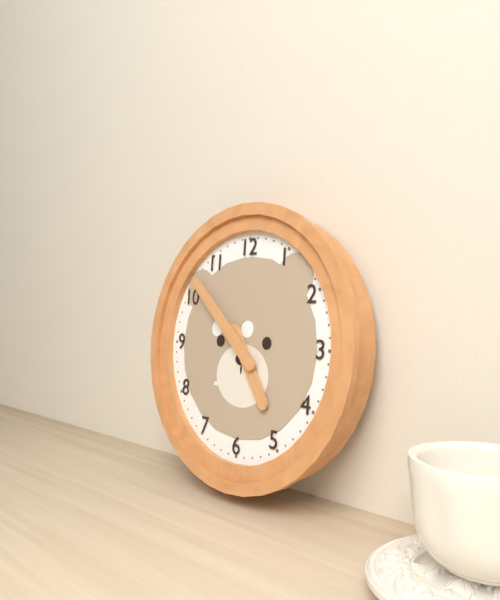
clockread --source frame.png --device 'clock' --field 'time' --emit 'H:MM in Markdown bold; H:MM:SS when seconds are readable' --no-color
**4:52**
